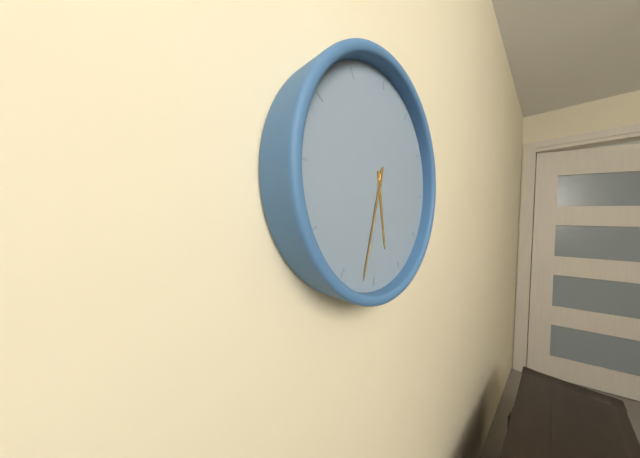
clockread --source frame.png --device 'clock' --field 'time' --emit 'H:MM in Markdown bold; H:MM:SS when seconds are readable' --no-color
**5:32**
